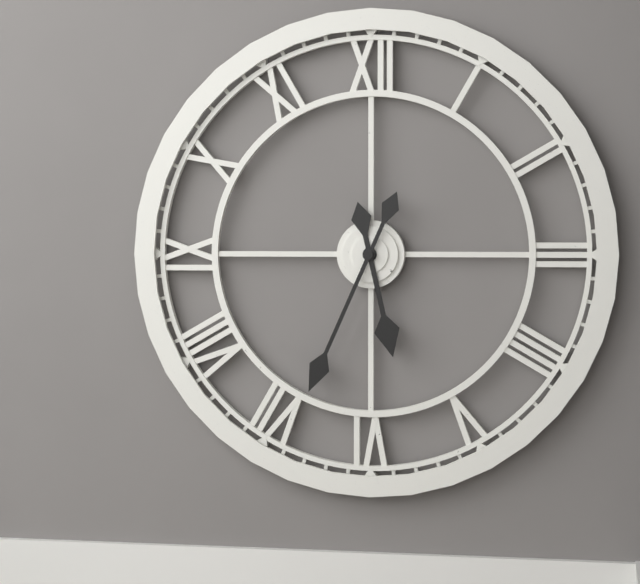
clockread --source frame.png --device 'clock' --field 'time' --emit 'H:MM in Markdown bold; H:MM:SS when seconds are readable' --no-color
**5:34**
